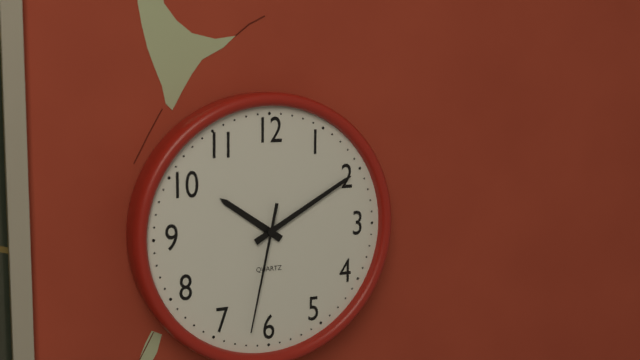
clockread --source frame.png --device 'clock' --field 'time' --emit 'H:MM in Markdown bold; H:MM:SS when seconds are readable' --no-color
**10:10:32**
